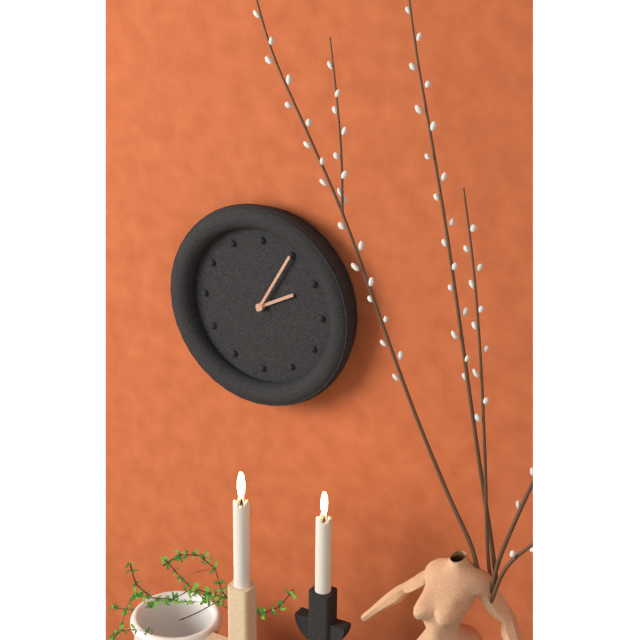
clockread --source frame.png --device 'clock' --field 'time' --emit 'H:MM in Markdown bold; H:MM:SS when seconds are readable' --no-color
**2:05**
